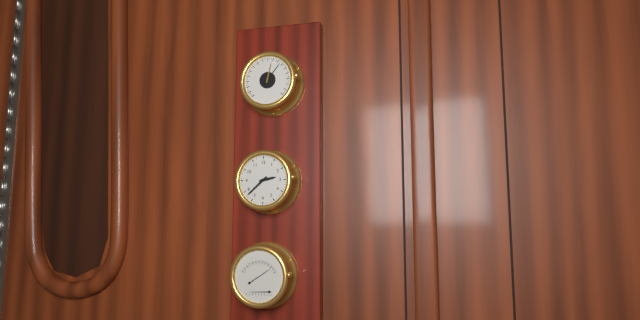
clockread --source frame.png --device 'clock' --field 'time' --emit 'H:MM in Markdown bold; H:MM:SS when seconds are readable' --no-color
**2:38**
